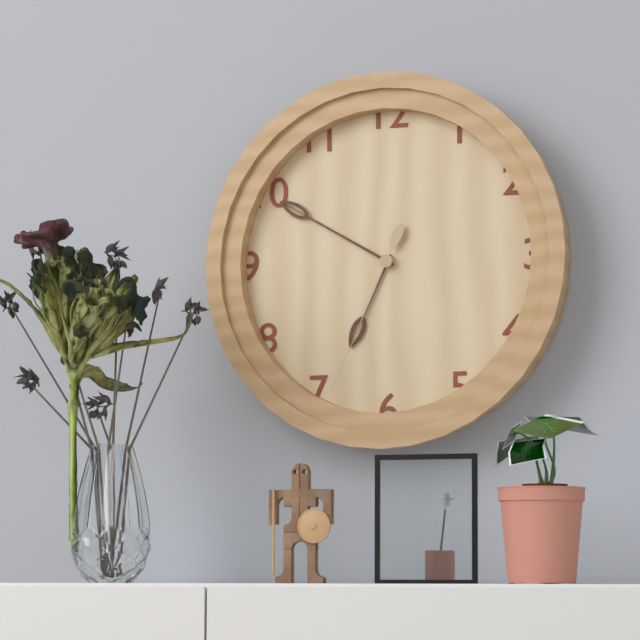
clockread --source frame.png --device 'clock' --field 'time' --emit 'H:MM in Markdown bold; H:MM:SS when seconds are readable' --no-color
**6:50:34**
